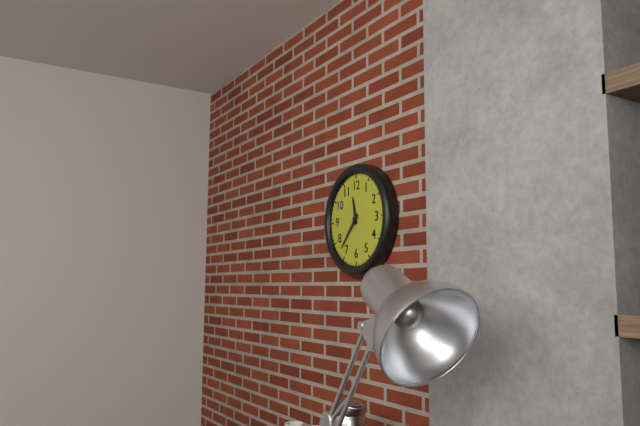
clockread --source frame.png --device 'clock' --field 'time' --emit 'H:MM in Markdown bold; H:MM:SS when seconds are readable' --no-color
**11:37**
